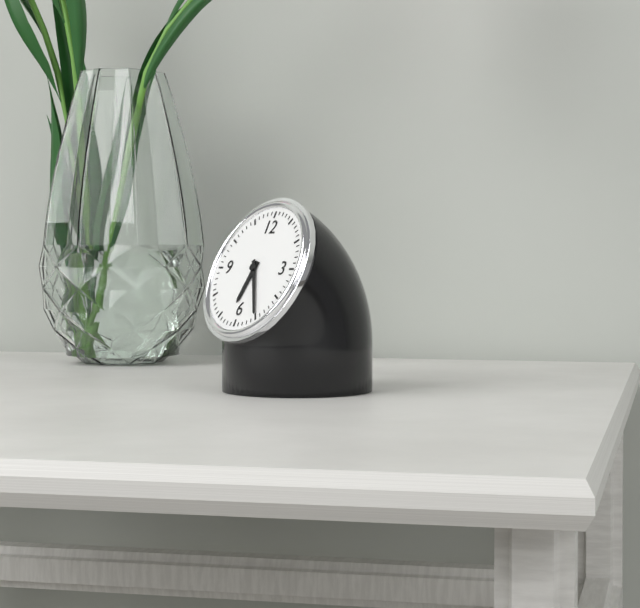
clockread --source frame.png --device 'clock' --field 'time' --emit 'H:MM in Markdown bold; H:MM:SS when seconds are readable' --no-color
**6:25**
